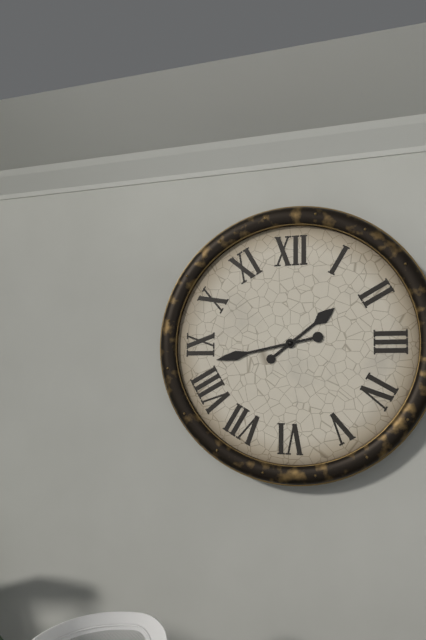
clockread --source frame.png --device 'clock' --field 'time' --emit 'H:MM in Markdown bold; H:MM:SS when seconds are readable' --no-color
**1:43**
